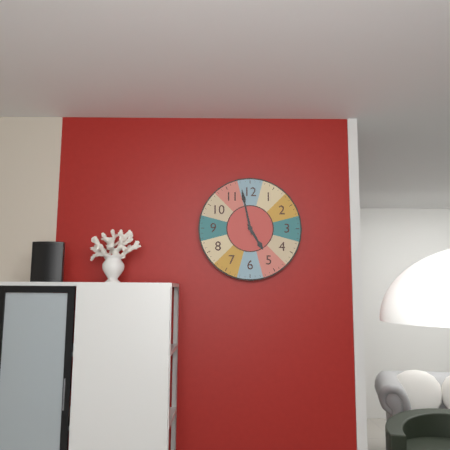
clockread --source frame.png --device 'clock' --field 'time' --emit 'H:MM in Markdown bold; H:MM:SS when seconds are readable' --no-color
**4:58**
